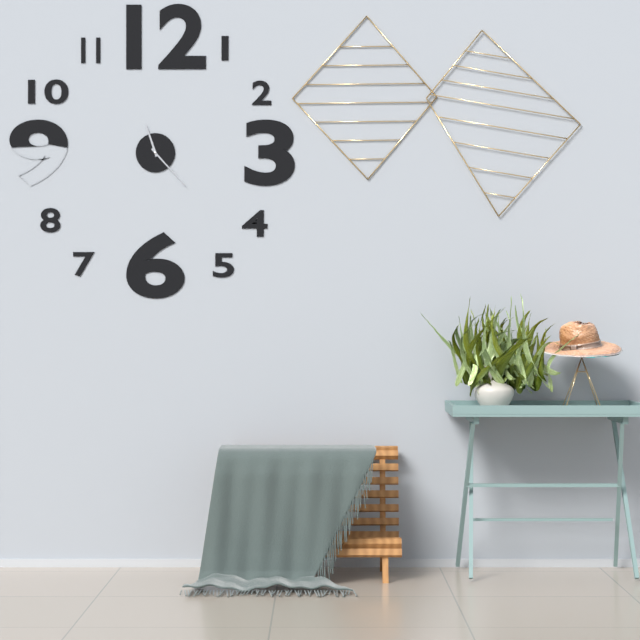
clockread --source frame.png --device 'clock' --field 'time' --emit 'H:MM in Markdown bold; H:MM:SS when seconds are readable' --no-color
**11:23**
